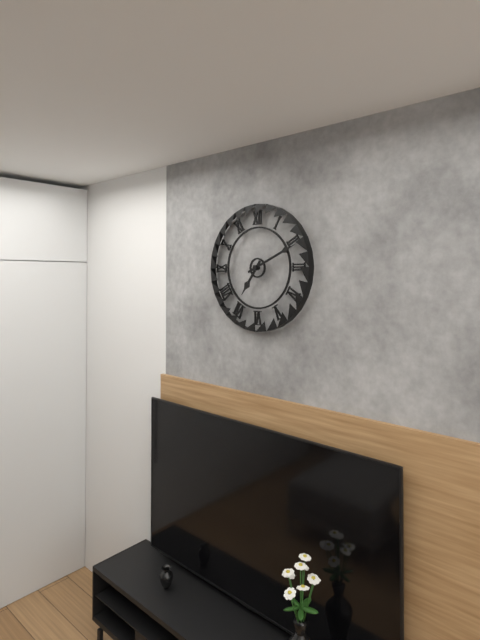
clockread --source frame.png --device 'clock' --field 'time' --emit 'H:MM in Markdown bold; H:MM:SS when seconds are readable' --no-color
**7:11**
